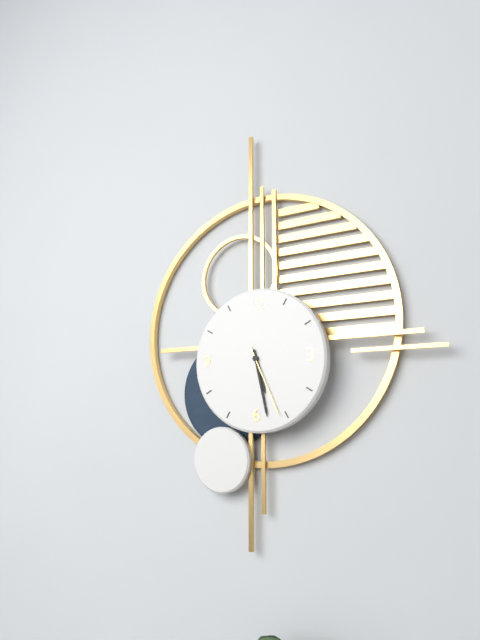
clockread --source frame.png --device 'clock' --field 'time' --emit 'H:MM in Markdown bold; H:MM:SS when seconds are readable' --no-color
**5:28:26**
